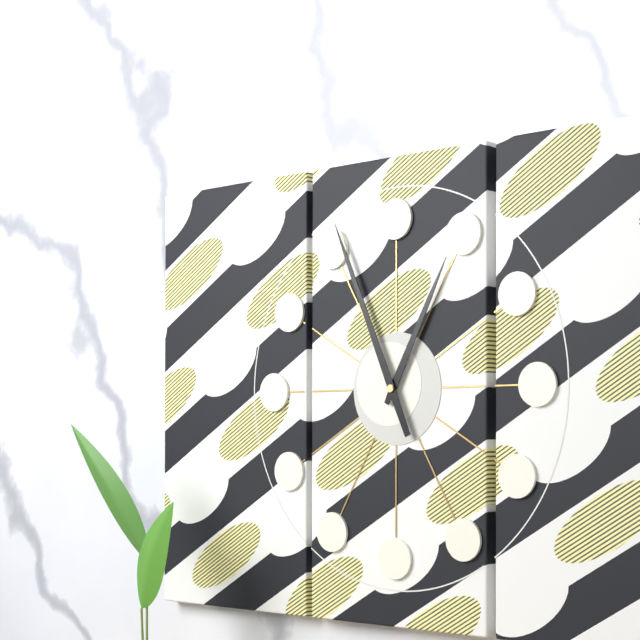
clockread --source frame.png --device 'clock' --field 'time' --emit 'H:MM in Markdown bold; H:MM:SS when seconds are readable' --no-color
**12:56**
